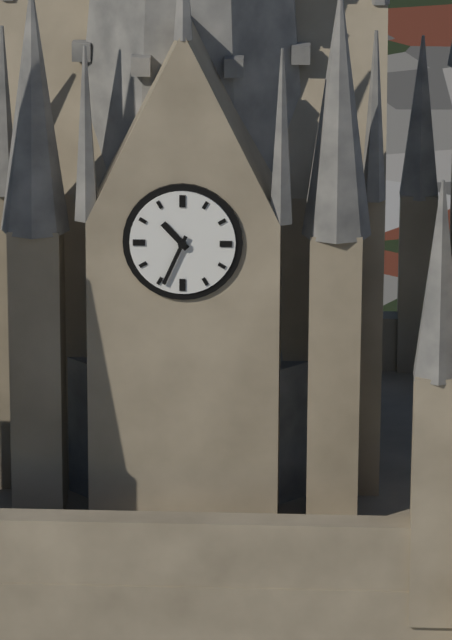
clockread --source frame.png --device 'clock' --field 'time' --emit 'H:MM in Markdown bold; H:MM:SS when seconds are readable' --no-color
**10:34**
